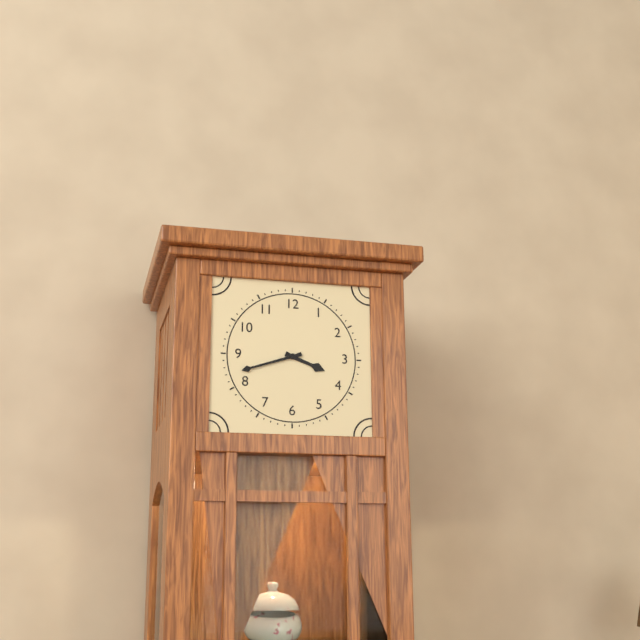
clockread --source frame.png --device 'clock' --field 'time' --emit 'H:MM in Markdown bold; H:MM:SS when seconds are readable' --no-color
**3:42**
